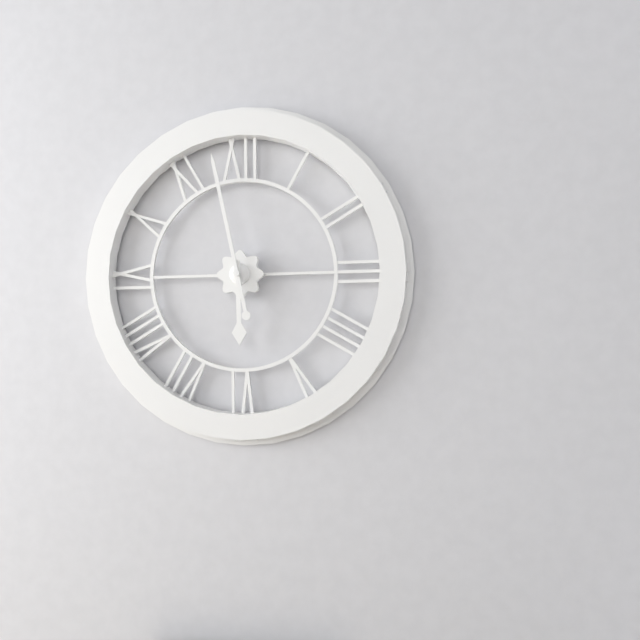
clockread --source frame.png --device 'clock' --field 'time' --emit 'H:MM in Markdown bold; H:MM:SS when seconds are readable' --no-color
**5:58**
